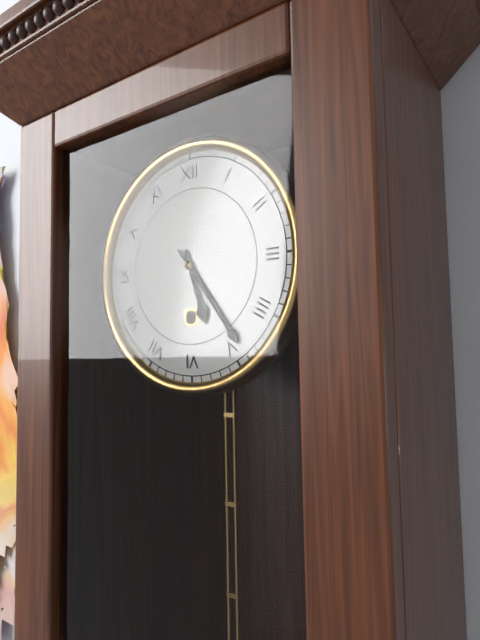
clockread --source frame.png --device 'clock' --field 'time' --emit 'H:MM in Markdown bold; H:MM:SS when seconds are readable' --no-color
**5:24**
